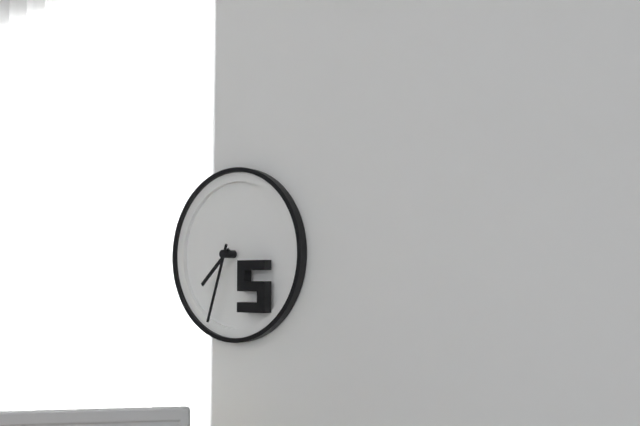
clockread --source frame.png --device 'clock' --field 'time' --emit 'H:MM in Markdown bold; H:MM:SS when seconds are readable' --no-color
**7:33**
